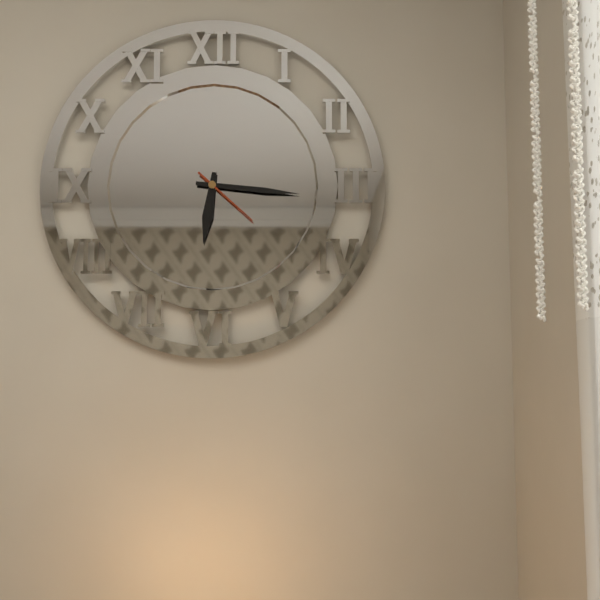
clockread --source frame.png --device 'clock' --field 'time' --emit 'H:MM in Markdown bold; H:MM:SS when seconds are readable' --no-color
**6:16:22**
